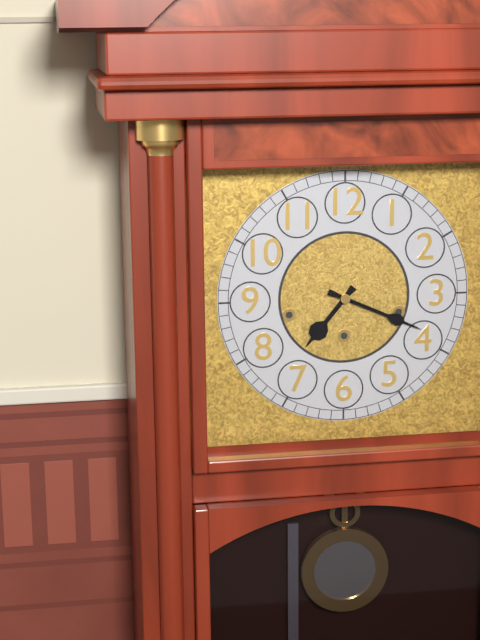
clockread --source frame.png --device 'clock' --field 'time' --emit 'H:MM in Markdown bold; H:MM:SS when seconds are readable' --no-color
**7:19**
